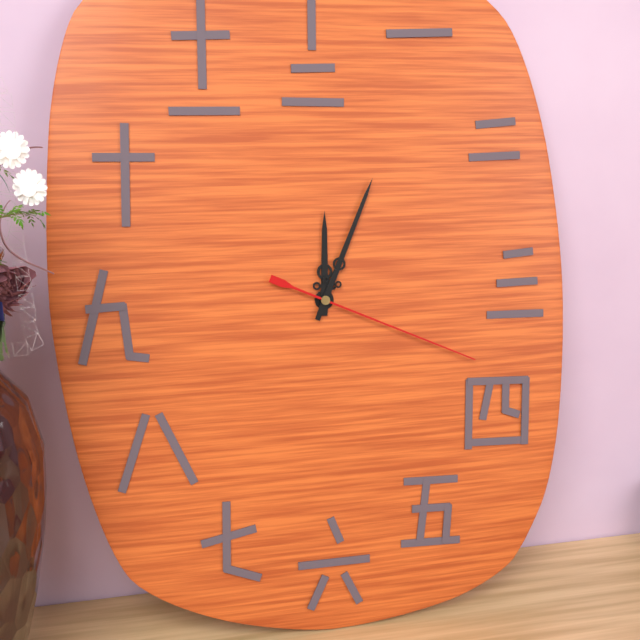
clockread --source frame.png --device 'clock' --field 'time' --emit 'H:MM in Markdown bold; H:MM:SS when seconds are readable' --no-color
**12:04:19**
